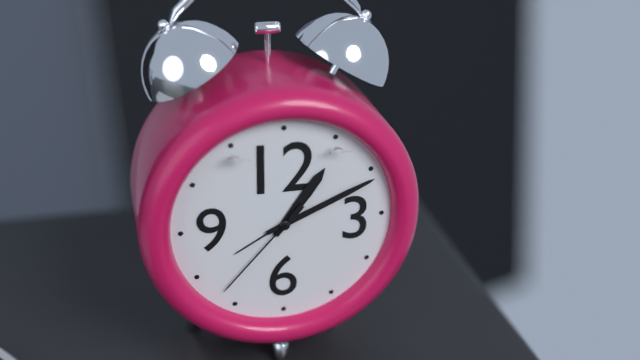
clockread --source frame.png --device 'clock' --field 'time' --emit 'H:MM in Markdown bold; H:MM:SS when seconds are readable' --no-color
**1:11:37**
